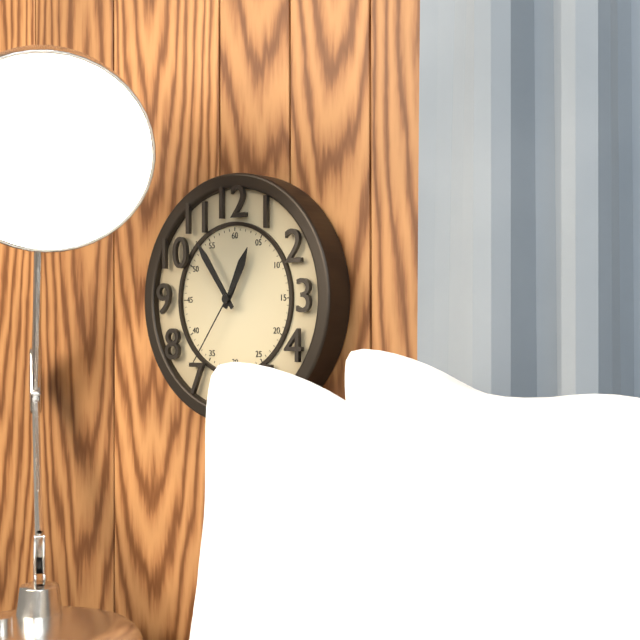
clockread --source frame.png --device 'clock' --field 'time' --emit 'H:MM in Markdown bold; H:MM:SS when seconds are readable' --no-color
**12:54:36**
